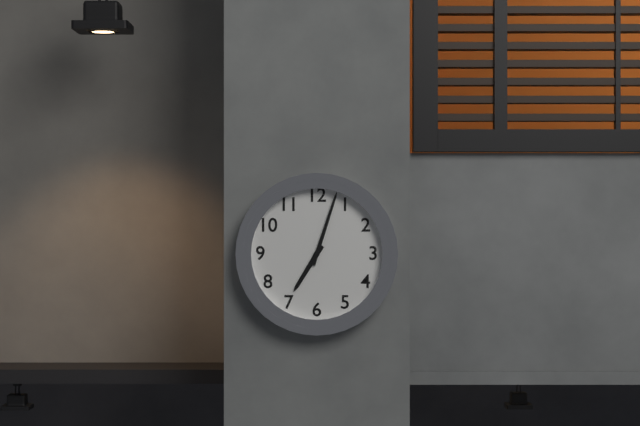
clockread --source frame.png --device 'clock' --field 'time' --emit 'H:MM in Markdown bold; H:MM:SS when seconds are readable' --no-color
**7:03**
